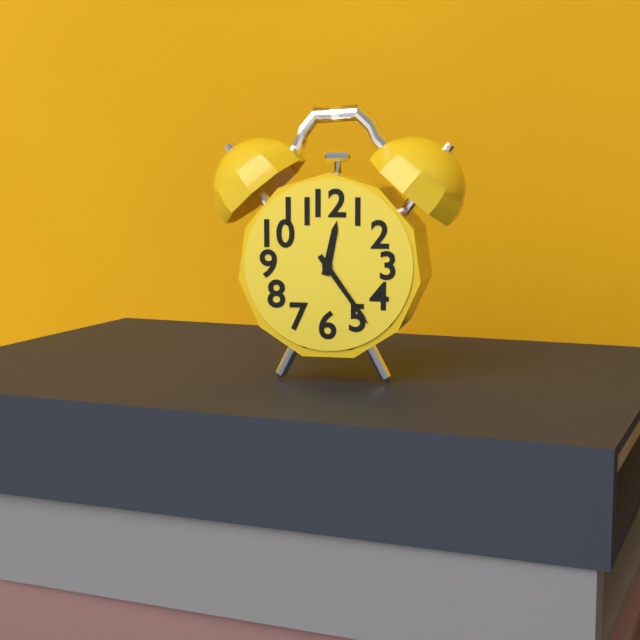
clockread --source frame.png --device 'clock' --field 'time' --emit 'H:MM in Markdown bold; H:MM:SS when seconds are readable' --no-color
**12:24**
